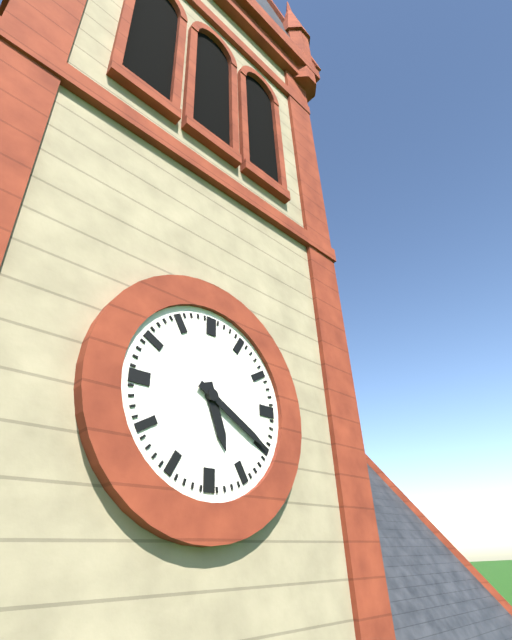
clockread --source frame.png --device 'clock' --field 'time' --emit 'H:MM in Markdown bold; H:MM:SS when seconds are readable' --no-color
**5:20**
